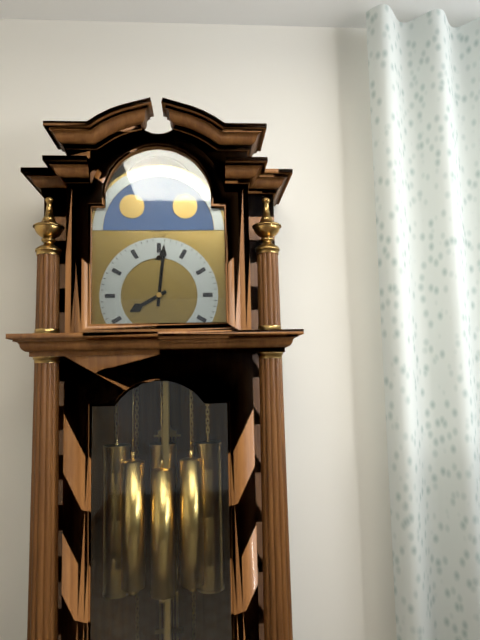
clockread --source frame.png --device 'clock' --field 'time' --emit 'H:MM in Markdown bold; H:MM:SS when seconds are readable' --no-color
**8:01**
